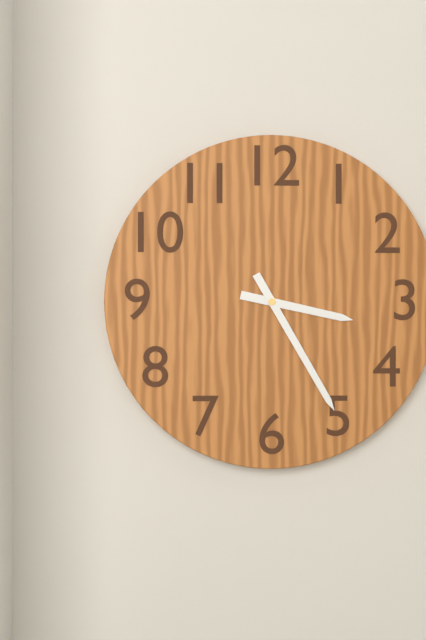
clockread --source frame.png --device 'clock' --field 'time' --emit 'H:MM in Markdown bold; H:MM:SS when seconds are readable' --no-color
**3:25**
